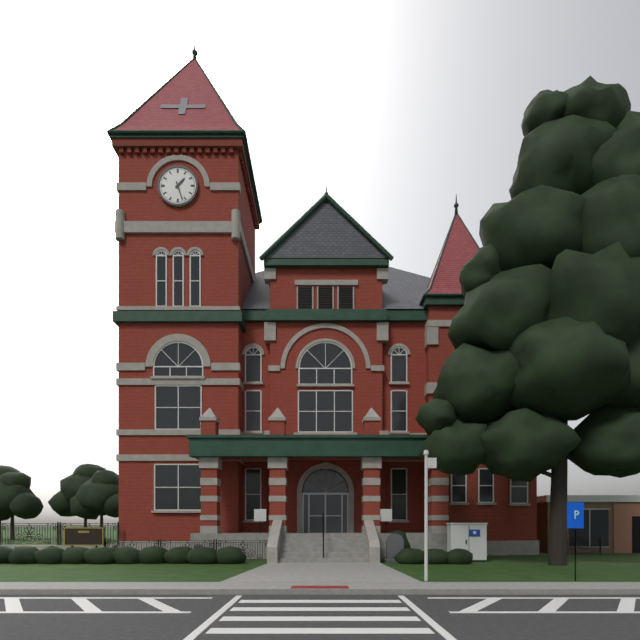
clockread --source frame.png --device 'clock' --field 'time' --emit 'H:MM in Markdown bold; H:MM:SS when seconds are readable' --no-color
**1:27**
